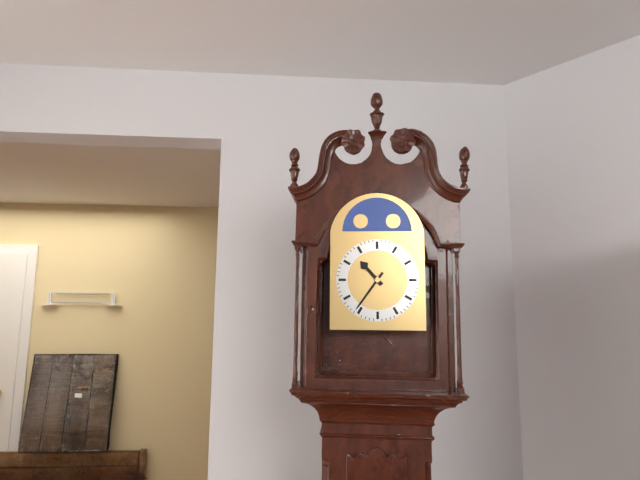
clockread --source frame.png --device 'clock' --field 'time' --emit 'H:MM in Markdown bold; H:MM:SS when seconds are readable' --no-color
**10:36**
